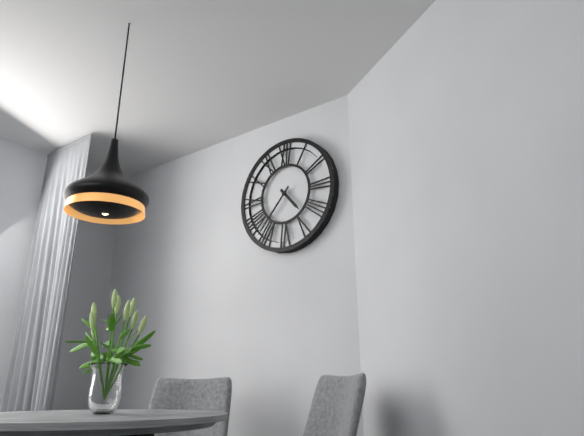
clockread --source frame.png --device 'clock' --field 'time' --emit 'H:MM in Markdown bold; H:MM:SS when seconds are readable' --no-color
**4:37**
